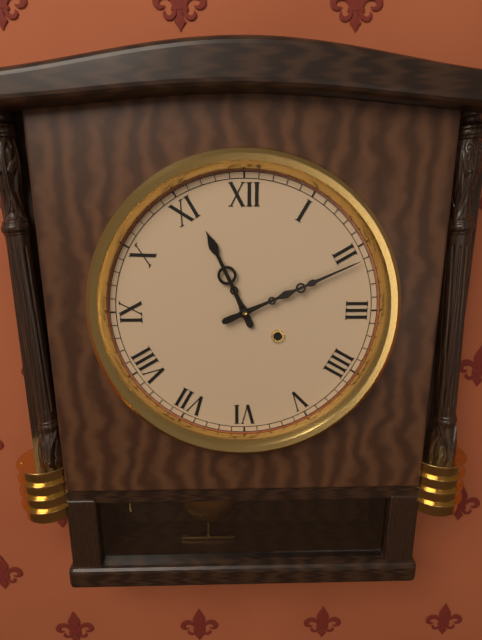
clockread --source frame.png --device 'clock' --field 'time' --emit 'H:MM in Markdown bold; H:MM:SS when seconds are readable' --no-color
**11:11**
